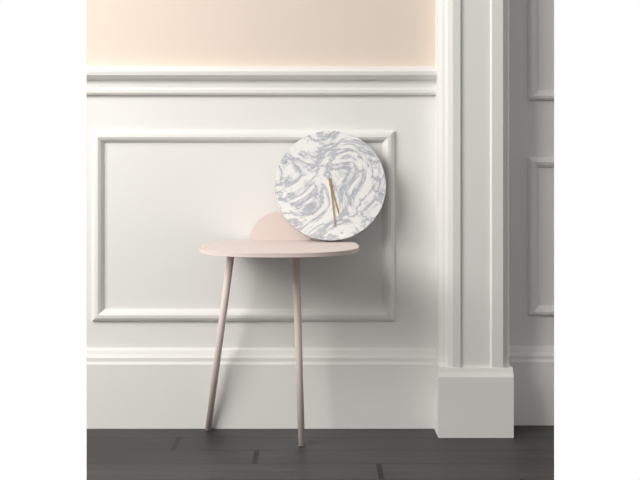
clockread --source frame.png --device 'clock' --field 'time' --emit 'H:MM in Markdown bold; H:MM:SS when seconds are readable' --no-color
**5:29**
